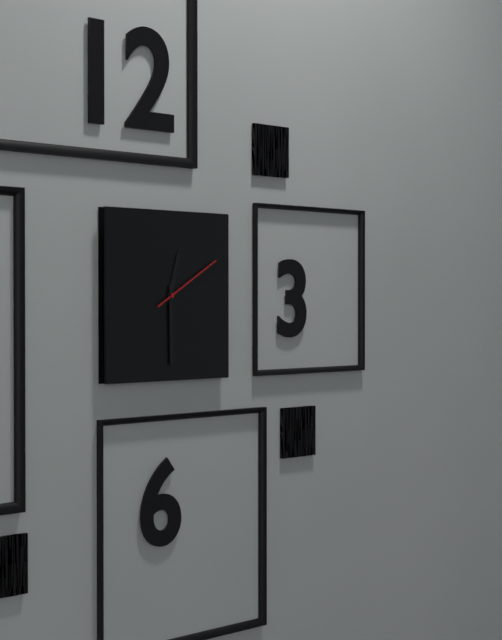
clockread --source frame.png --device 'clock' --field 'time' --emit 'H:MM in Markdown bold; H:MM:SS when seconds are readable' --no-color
**12:30:10**
